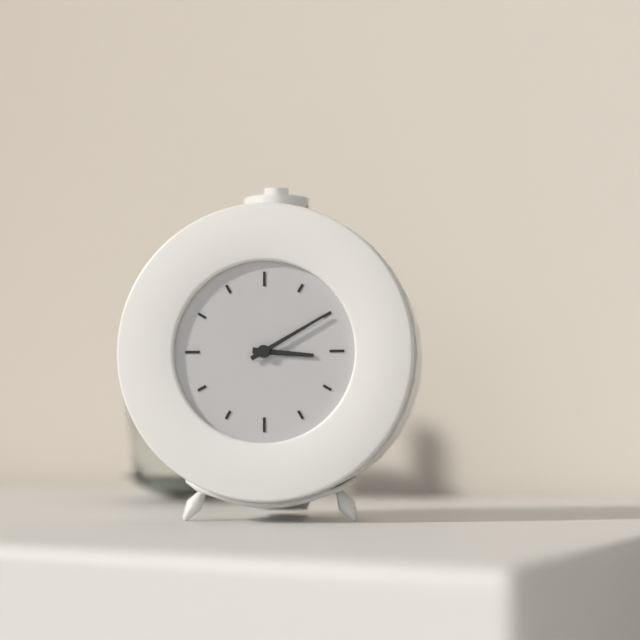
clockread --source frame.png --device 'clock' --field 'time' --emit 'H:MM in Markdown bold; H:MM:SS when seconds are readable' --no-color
**3:10**
